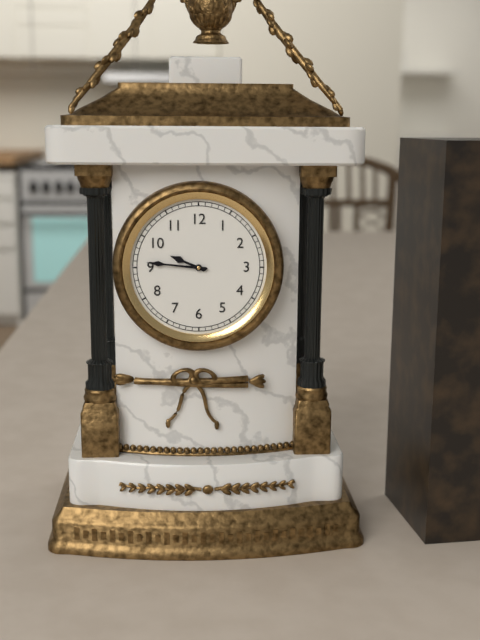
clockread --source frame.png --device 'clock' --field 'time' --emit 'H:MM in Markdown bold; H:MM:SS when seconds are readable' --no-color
**9:46**
